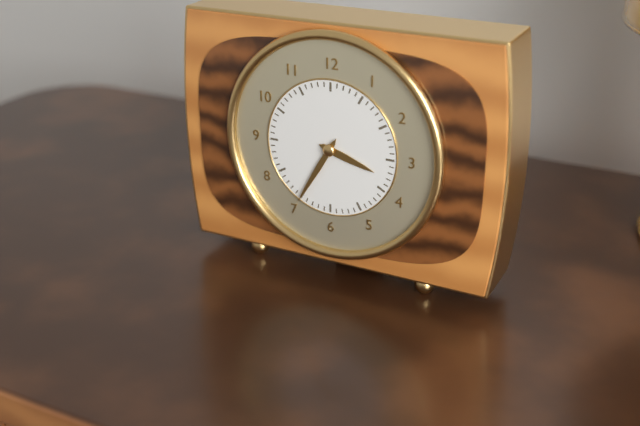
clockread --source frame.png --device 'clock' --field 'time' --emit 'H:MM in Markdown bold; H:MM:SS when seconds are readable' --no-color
**3:35**
